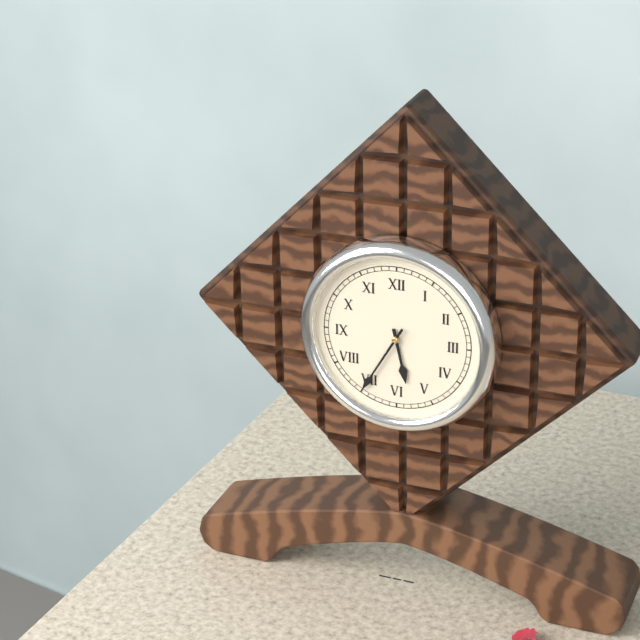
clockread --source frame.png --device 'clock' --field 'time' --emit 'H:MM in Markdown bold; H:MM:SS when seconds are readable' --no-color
**5:35**
